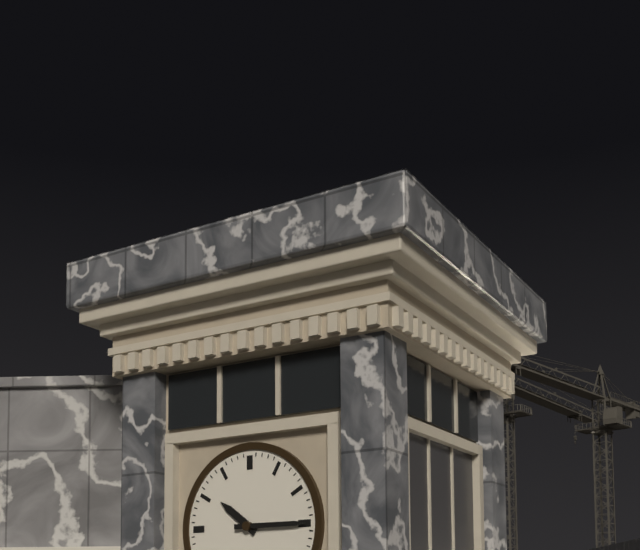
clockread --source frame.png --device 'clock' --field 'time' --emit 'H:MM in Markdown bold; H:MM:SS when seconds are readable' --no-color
**10:15**
